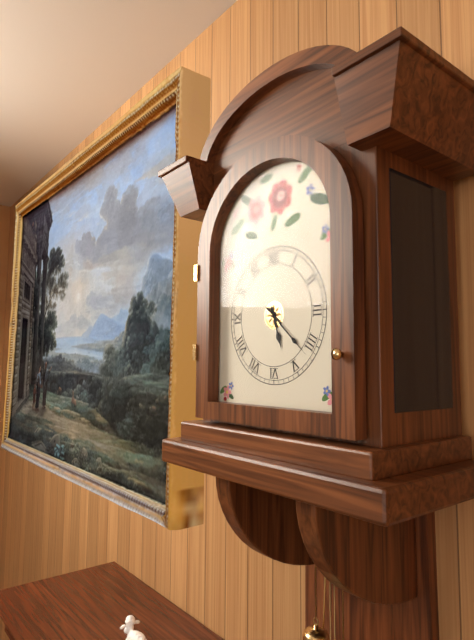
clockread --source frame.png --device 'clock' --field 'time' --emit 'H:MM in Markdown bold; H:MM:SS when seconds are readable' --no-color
**5:22**
